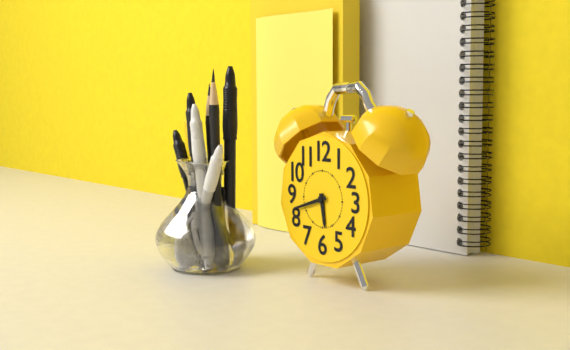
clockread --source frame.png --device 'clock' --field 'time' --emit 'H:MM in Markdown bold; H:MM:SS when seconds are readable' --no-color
**5:42**
